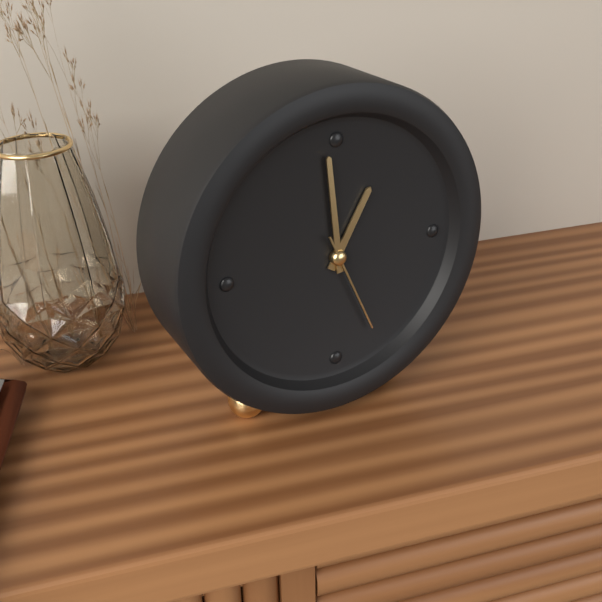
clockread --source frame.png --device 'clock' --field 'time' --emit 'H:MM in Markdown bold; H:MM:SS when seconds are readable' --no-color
**12:59:26**
